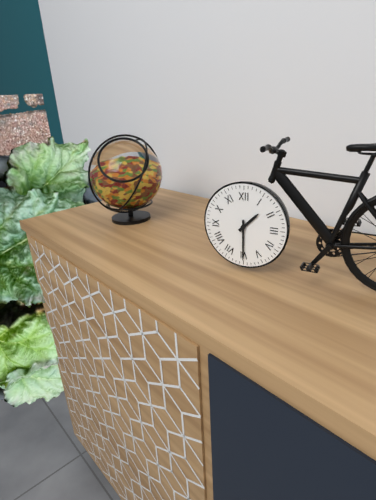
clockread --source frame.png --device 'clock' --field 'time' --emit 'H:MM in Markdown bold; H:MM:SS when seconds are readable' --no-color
**1:30**
